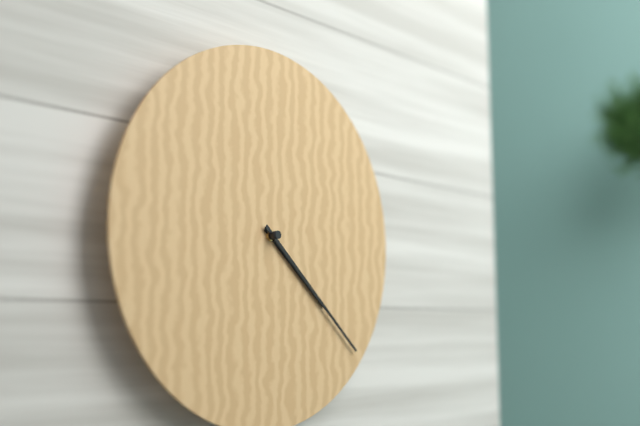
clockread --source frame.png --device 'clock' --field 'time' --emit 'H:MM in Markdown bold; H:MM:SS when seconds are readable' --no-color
**4:22**
